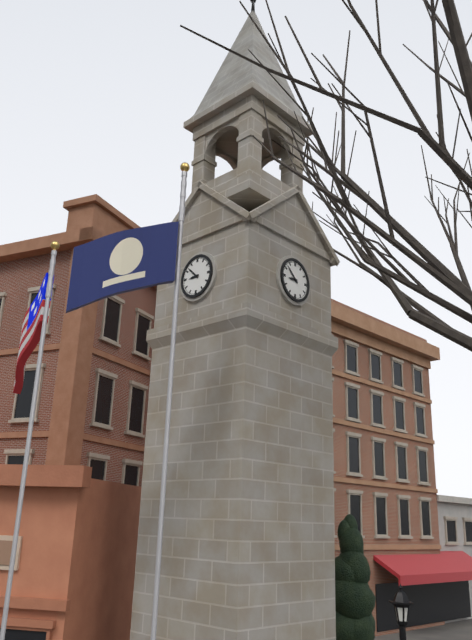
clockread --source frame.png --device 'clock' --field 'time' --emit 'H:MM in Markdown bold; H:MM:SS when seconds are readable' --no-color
**8:52**
